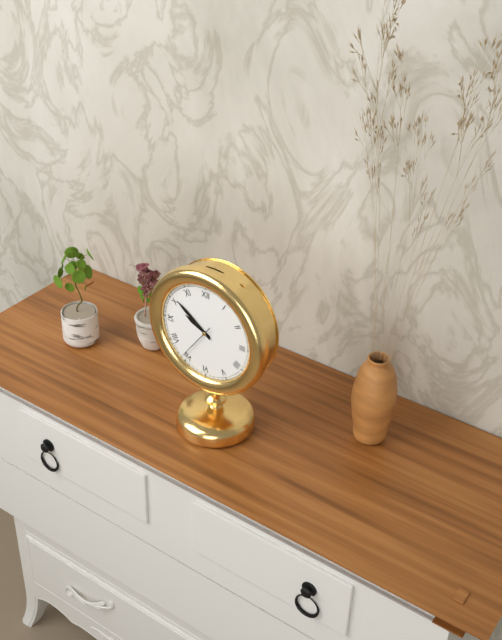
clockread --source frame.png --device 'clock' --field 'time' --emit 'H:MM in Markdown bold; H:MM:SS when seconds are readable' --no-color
**9:51**
